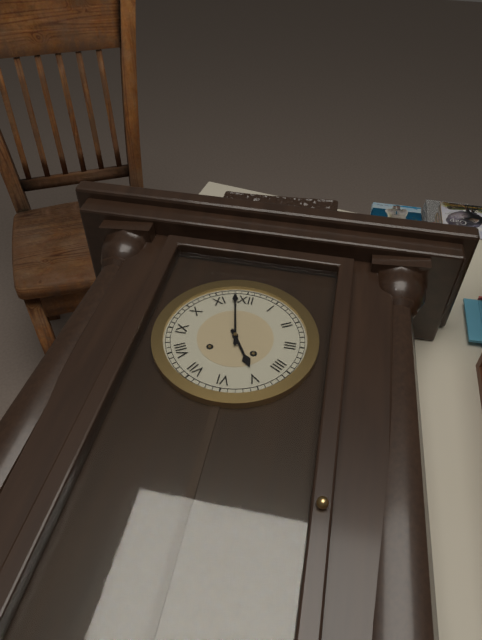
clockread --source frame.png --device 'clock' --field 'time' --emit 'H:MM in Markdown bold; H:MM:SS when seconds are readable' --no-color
**4:58**
